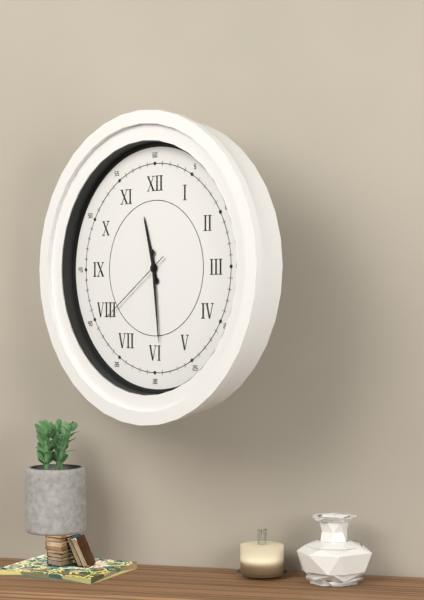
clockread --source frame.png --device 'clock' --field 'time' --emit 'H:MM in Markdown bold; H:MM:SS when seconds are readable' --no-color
**11:29:39**
